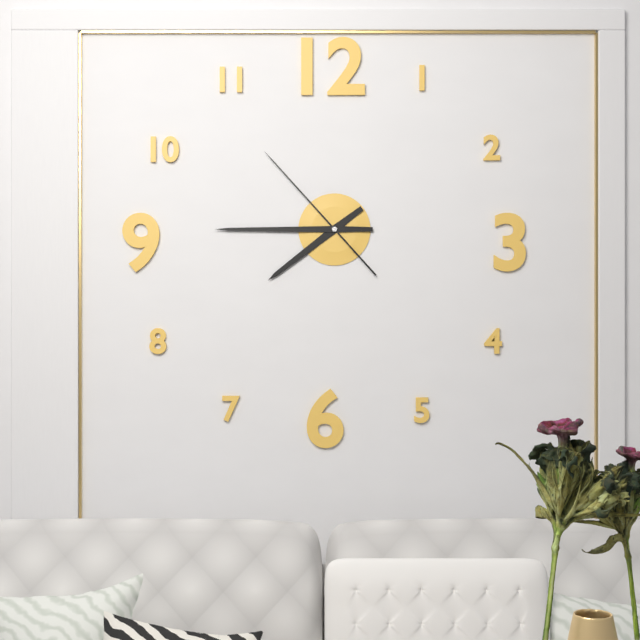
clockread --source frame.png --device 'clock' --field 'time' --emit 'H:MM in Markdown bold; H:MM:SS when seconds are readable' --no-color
**7:45:53**
